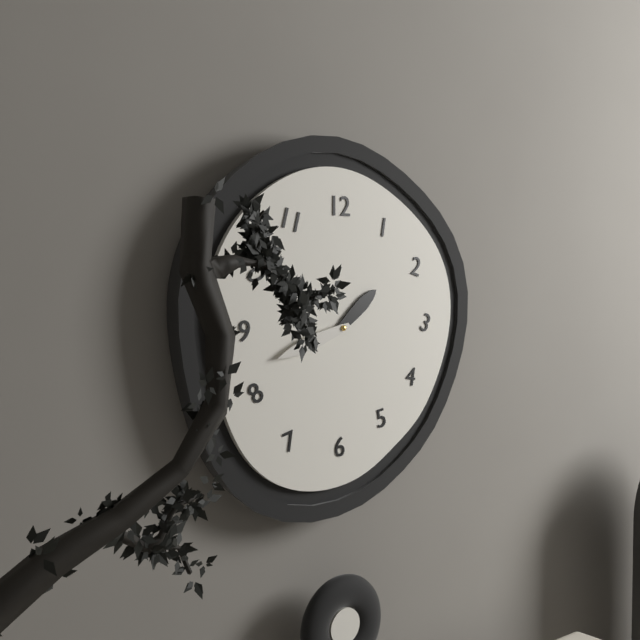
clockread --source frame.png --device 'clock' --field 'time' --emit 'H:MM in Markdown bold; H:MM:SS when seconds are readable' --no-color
**1:42**
